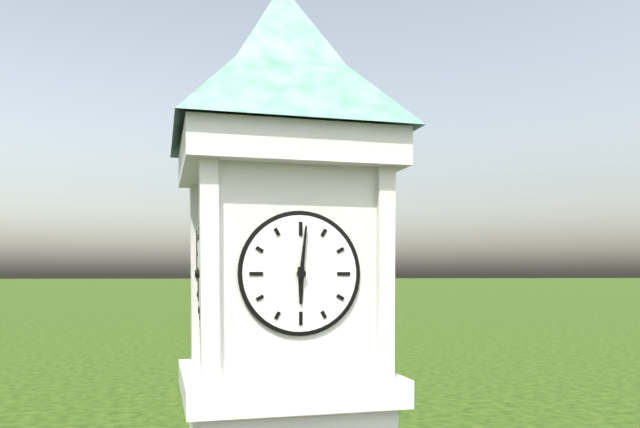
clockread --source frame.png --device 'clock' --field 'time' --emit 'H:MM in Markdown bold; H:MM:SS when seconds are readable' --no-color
**6:01**
